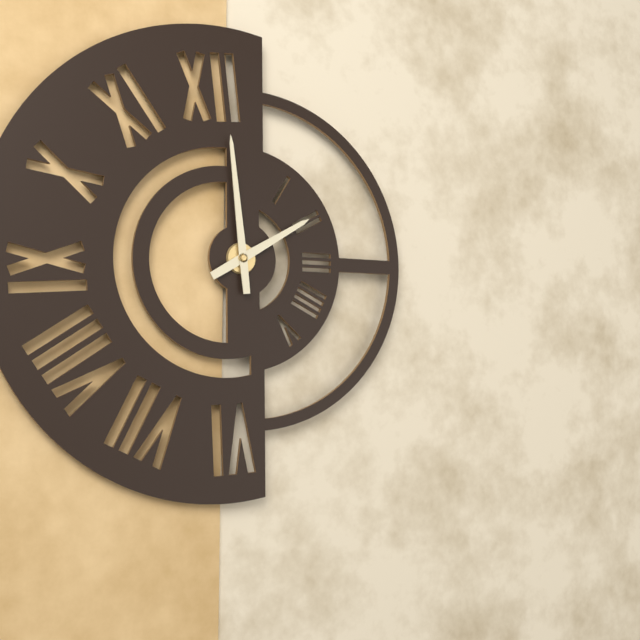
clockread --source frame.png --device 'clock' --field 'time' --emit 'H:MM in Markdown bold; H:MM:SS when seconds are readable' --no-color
**1:59**
